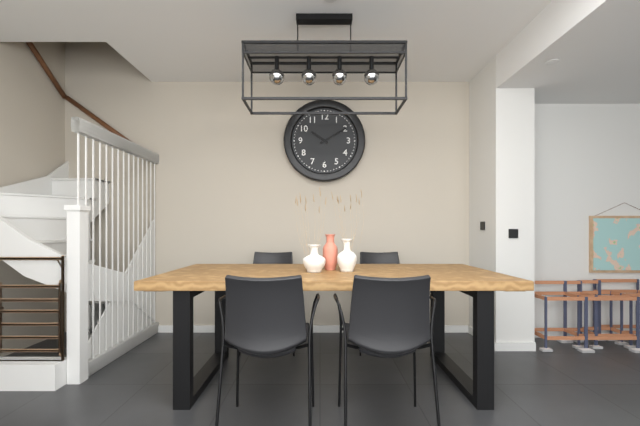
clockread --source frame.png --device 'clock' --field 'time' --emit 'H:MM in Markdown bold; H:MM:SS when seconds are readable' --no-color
**10:10**
